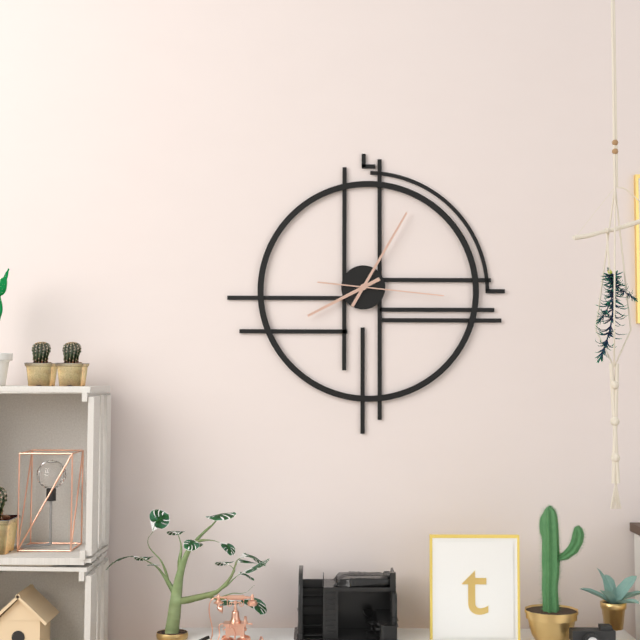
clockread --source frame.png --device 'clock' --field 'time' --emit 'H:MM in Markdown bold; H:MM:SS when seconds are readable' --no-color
**8:05:16**
